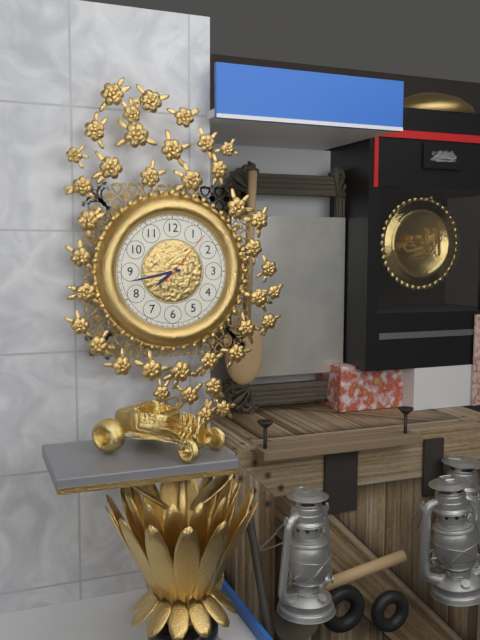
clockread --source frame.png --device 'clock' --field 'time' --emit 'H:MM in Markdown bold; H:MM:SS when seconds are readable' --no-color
**7:43:07**
